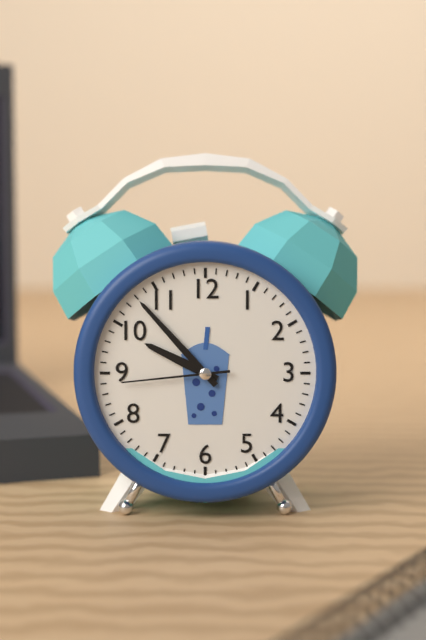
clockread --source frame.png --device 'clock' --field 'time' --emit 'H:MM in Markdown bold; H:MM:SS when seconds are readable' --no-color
**9:53:44**
